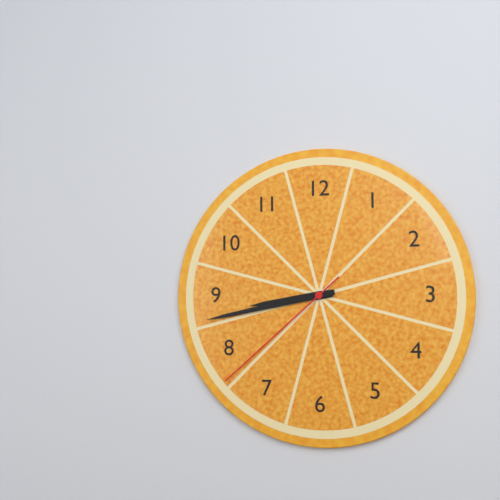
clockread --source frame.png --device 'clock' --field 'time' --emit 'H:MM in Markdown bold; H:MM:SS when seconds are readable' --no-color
**8:43:38**
